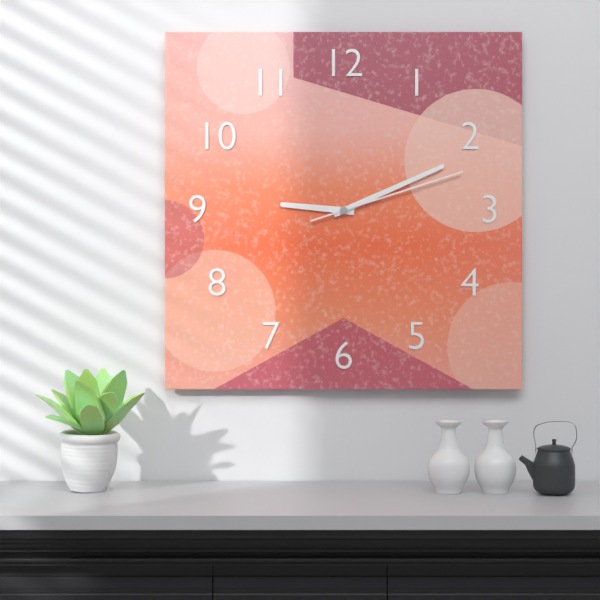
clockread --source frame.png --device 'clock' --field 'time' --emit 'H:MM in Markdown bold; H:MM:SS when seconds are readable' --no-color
**9:11:12**
